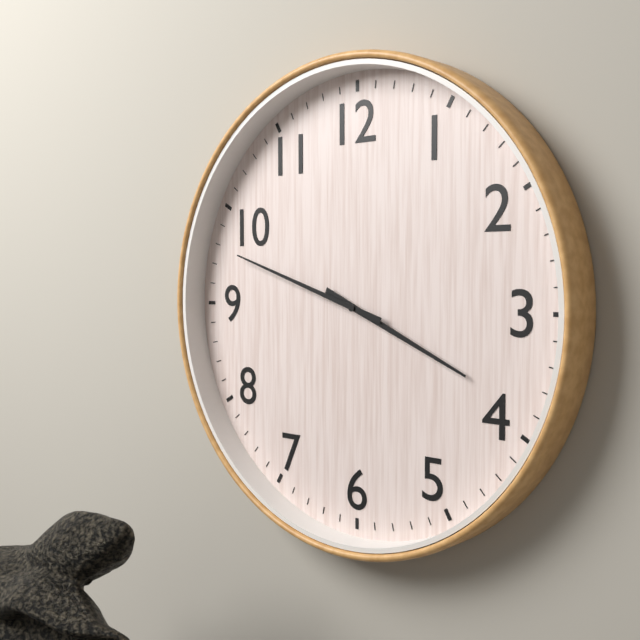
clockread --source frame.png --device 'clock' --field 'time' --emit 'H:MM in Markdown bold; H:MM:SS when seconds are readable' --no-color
**3:48**
